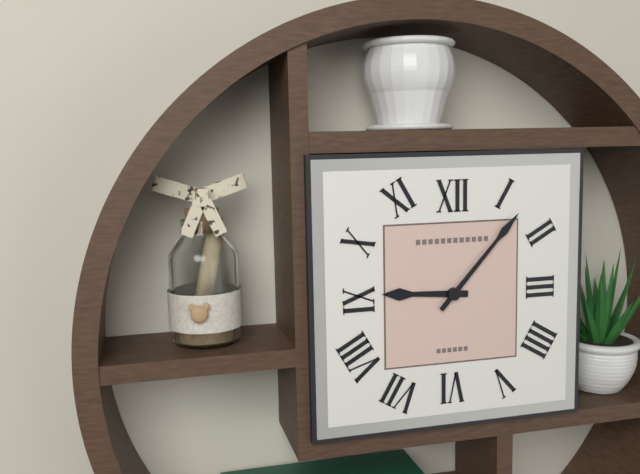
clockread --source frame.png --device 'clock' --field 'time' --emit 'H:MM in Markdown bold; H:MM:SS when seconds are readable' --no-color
**9:07**
